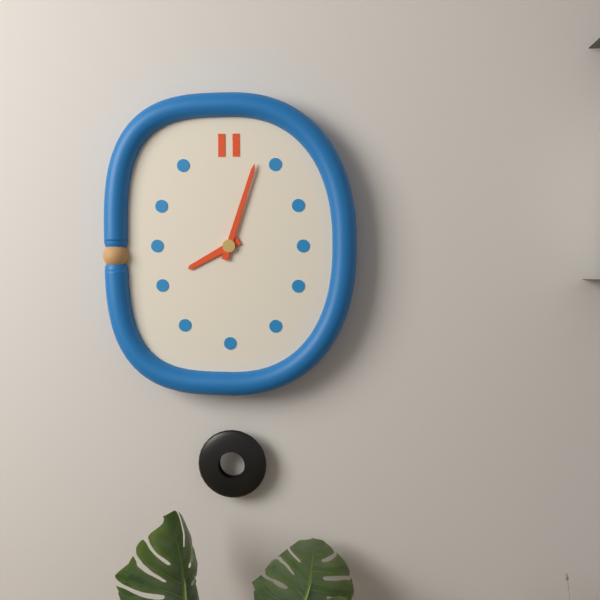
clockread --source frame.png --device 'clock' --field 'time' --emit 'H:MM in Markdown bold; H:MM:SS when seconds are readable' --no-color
**8:03**
